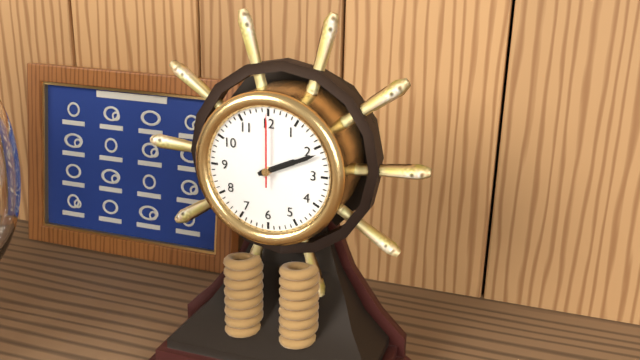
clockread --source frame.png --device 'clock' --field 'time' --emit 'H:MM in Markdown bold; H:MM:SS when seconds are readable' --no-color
**2:11:00**
